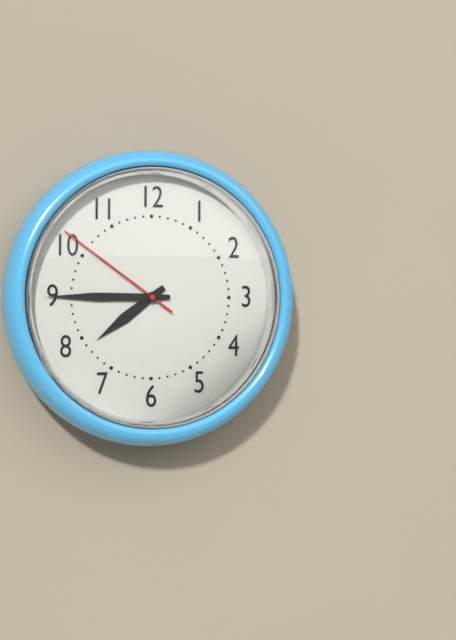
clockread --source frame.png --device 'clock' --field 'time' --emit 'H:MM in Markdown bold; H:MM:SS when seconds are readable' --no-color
**7:45:51**
